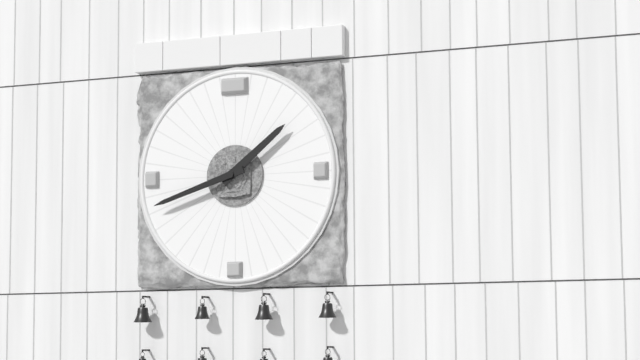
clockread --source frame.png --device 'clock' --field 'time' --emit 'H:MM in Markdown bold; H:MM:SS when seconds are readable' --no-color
**1:42**
